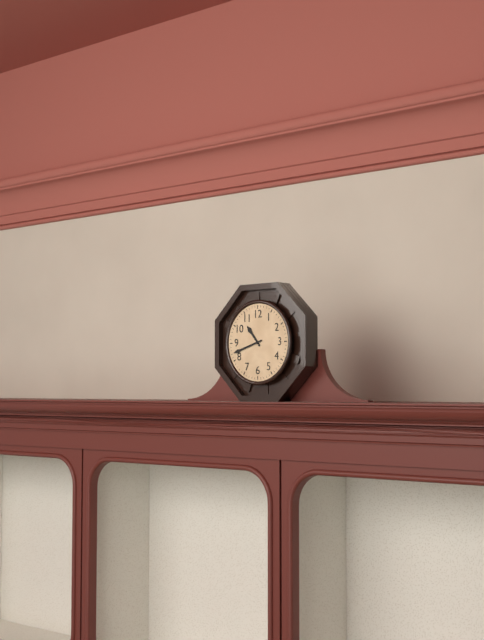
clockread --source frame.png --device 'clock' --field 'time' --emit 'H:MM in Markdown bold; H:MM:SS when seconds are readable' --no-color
**10:42**
